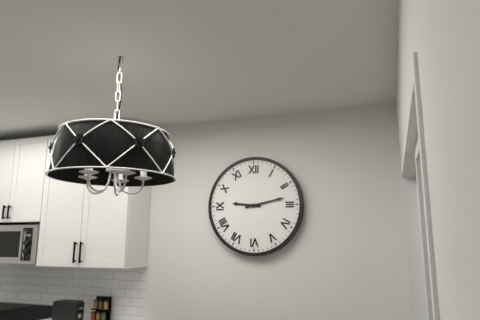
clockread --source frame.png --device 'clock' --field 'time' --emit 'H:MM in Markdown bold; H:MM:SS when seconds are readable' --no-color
**9:13**
